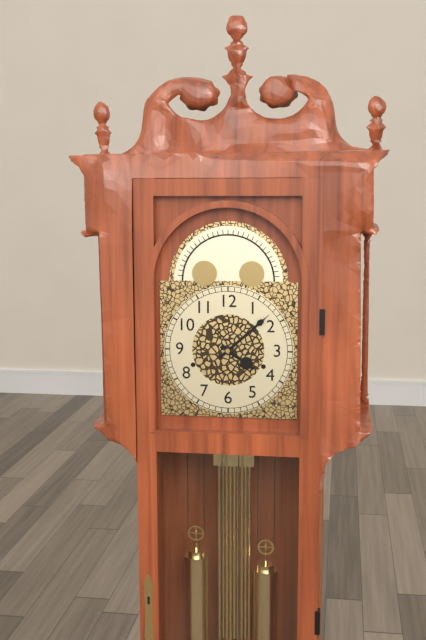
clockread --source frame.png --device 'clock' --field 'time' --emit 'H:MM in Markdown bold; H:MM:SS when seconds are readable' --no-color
**4:08**
